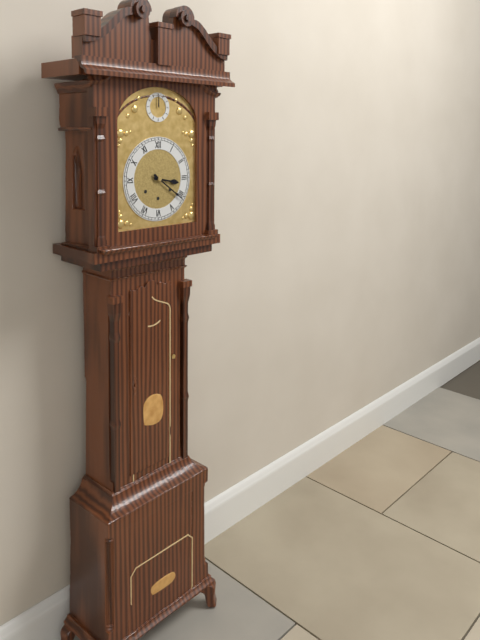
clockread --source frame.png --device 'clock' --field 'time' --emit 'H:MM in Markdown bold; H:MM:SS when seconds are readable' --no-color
**3:21**
